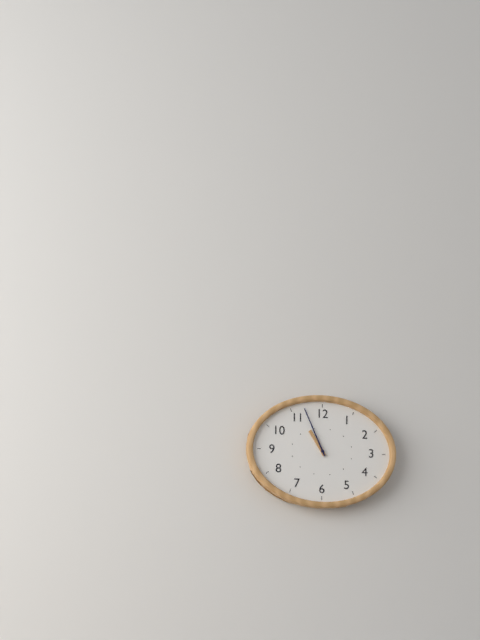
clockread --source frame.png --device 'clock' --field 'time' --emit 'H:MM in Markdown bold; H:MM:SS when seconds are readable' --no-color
**10:56**
